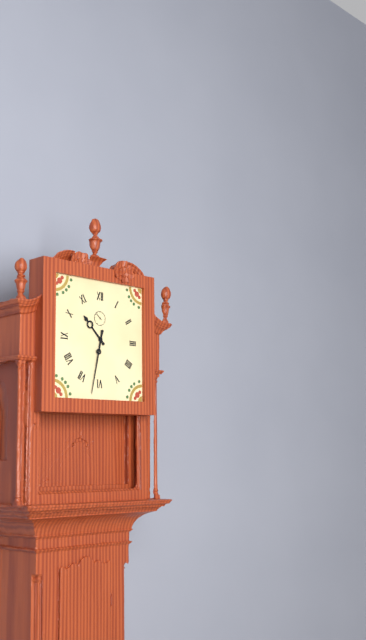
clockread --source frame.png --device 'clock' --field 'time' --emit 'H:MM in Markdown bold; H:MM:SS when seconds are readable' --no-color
**10:32**
